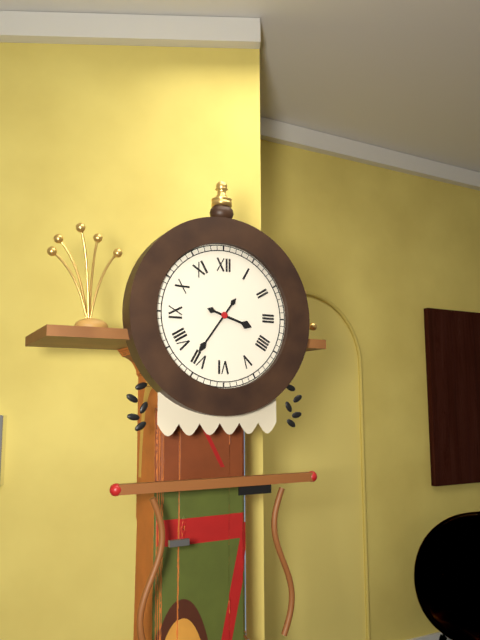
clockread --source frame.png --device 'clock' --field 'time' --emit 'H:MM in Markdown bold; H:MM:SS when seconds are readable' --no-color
**3:36**
